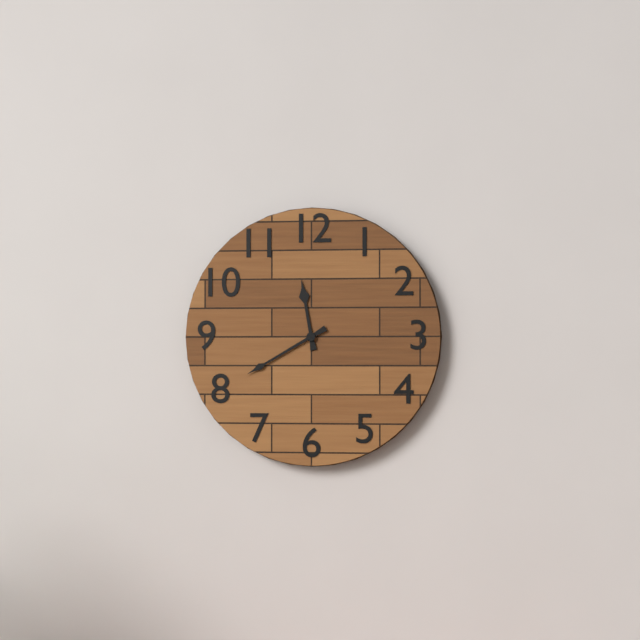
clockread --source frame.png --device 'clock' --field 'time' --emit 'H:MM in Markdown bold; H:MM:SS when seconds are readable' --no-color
**11:40**
